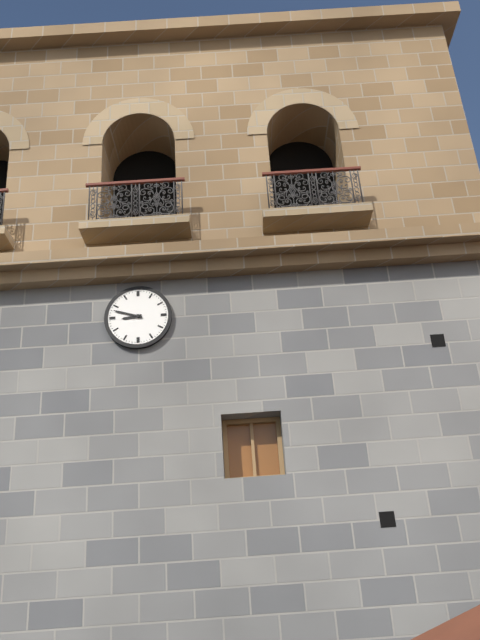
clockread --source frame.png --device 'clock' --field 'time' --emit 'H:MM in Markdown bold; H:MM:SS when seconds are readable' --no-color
**8:48**
